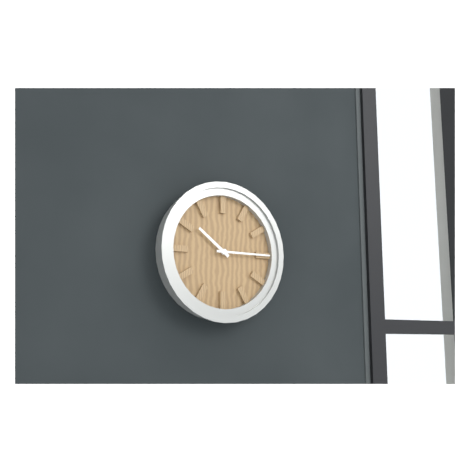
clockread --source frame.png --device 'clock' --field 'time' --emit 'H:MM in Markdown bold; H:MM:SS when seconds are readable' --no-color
**10:15**
